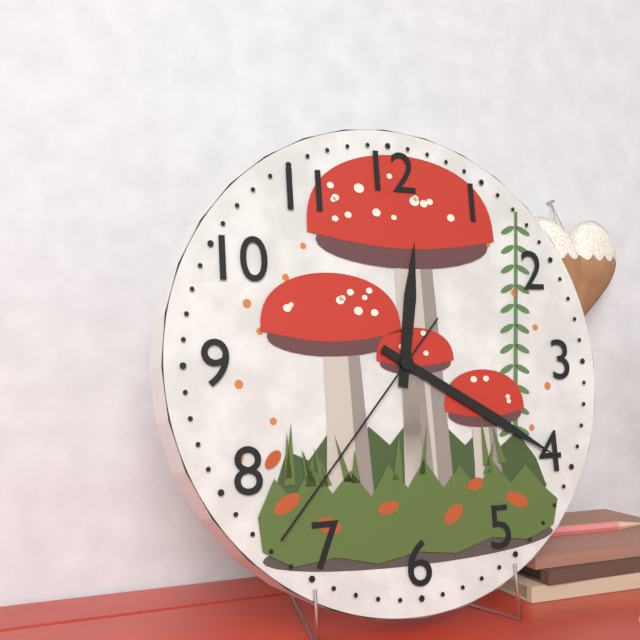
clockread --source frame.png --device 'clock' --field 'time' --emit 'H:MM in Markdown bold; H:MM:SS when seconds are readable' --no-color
**12:20:37**
